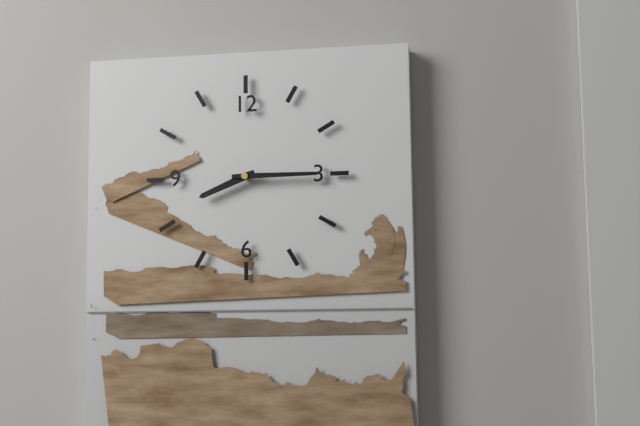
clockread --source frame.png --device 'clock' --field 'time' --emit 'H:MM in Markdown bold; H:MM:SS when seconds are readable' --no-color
**8:15**
